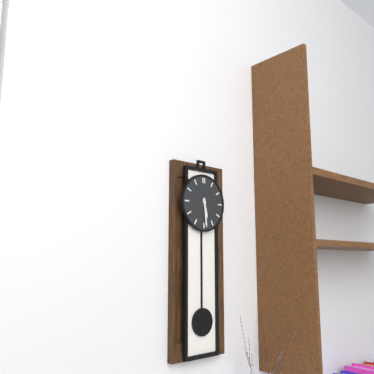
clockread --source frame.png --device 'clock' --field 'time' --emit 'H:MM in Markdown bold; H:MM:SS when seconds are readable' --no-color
**5:29**
